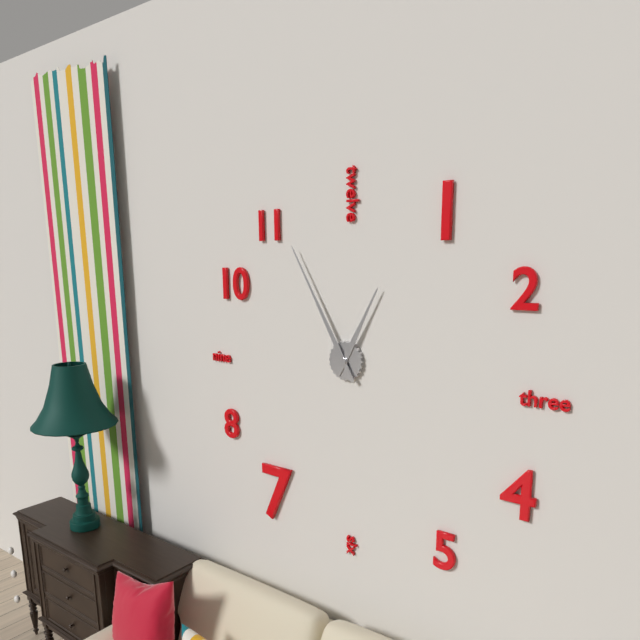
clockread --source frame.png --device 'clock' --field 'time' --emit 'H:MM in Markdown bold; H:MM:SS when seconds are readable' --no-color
**12:55**
